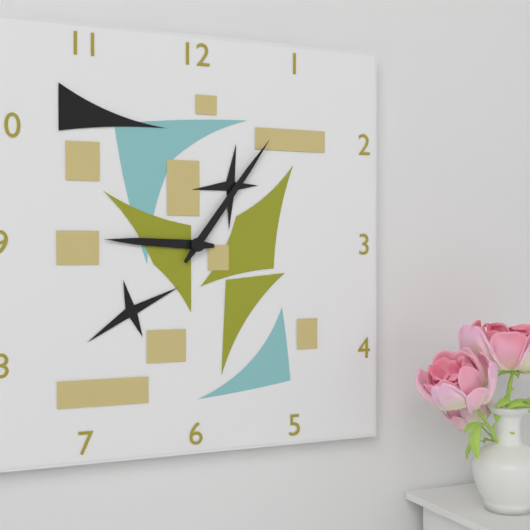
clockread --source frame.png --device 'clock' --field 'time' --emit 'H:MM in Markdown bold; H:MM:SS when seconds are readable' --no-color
**9:06**
